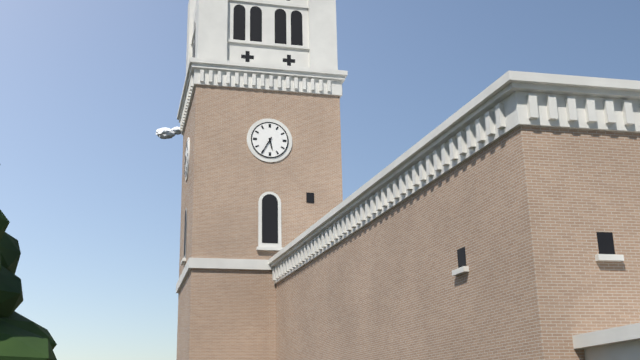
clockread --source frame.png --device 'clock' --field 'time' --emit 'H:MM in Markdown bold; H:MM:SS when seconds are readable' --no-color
**5:35**
